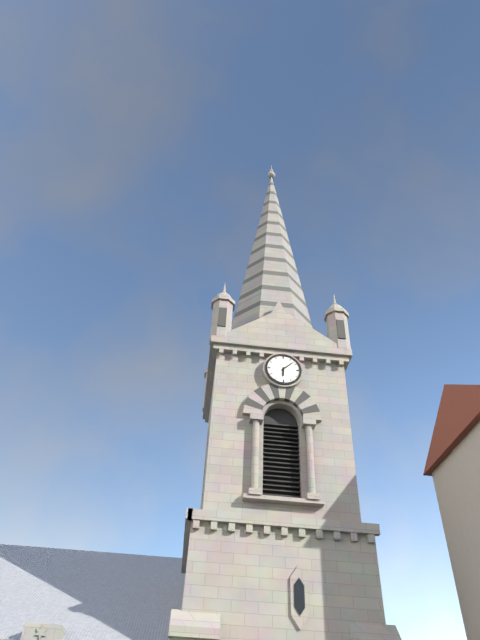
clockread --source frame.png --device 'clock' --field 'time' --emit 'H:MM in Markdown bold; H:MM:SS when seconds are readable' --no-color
**6:08**
